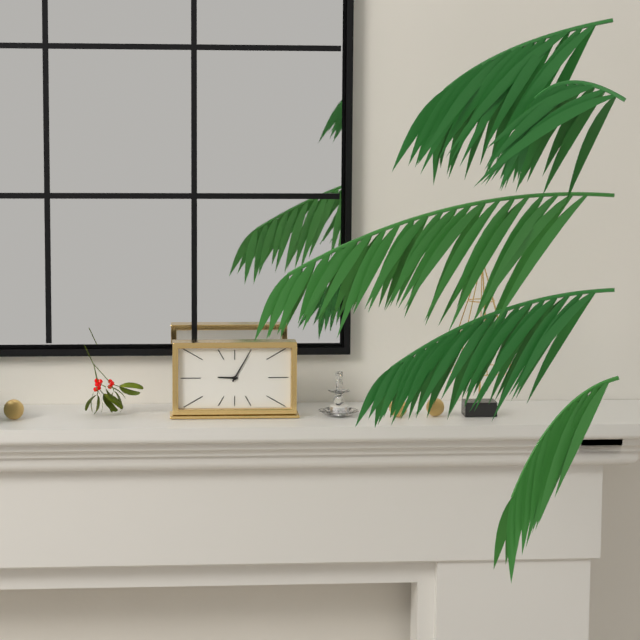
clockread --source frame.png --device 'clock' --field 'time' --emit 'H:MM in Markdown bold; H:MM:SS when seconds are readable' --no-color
**9:05**
